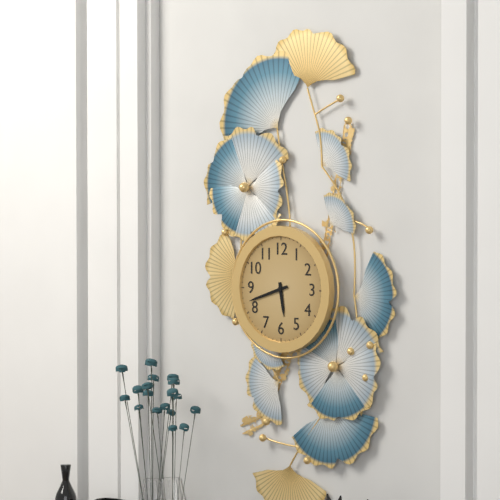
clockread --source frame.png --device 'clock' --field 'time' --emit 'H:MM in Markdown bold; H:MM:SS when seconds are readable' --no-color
**5:42**
